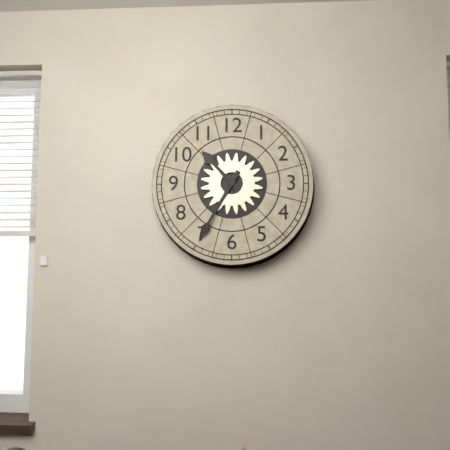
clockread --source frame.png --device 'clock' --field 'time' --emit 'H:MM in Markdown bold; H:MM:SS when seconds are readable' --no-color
**10:35**
